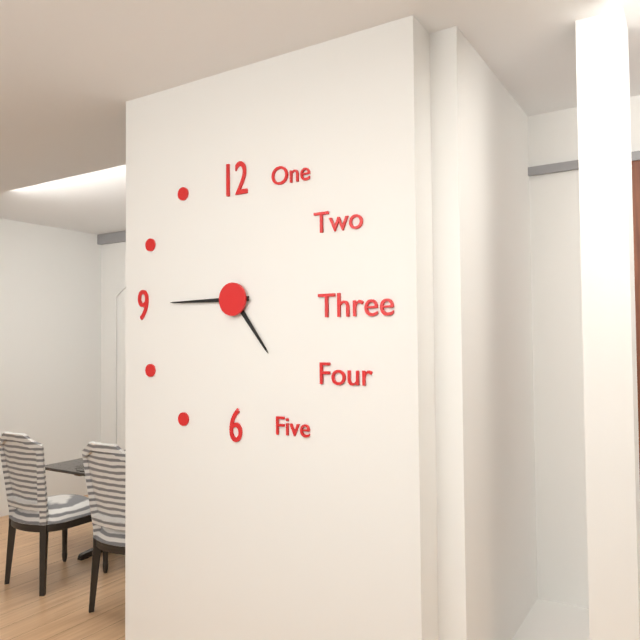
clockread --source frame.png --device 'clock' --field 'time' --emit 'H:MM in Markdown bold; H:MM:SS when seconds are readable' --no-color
**4:45**
